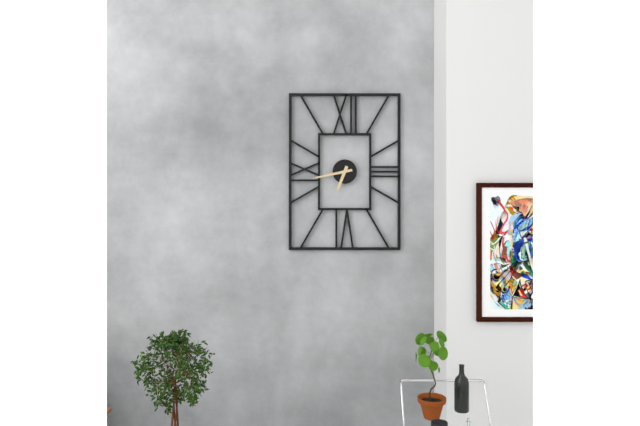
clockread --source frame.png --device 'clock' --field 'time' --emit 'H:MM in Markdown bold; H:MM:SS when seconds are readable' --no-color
**6:43**
